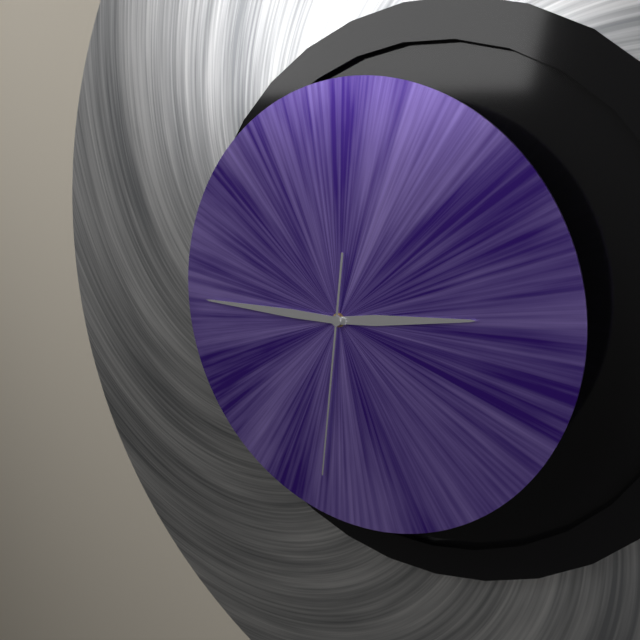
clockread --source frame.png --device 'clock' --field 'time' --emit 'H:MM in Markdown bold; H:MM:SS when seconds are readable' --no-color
**2:45:31**
